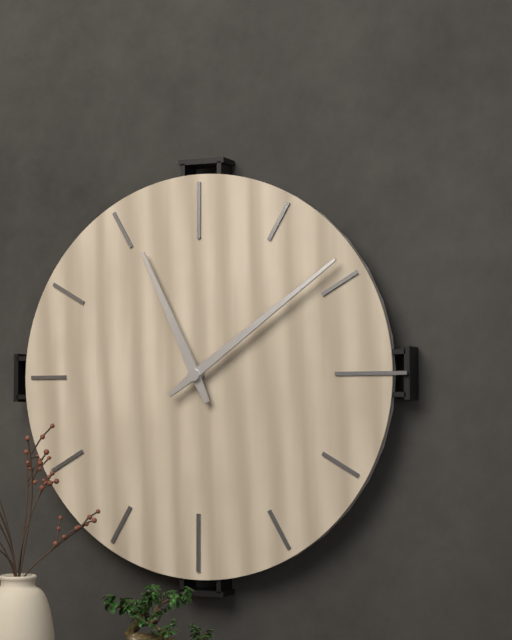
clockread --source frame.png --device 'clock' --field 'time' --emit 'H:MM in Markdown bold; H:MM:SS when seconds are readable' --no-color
**11:09**
